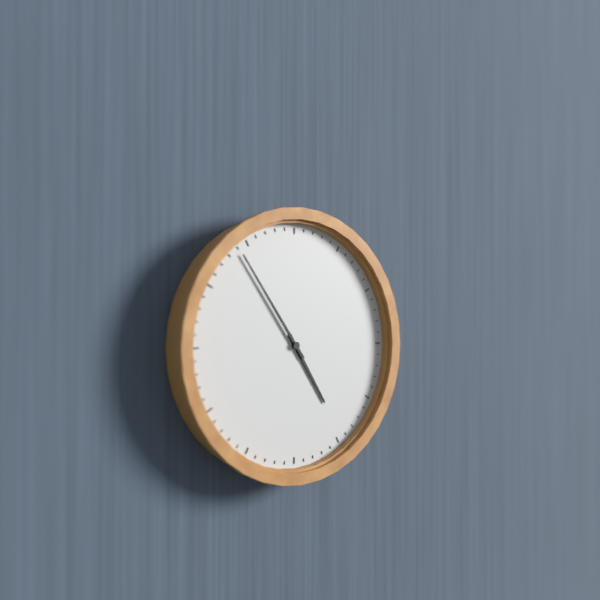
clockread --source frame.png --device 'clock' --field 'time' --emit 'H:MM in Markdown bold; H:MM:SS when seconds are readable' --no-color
**4:54**
